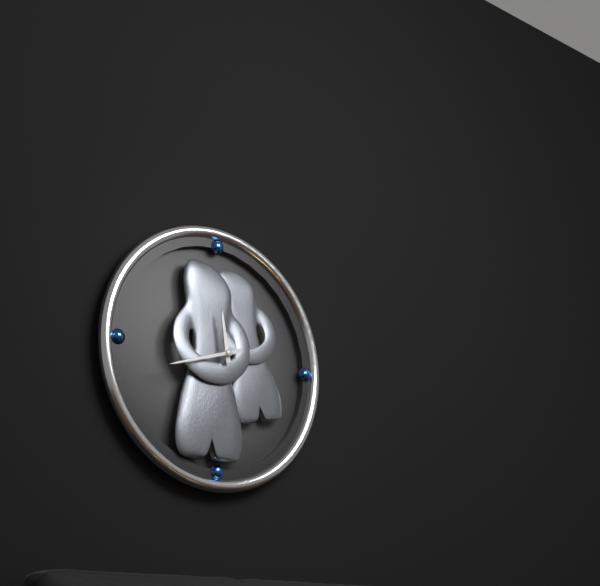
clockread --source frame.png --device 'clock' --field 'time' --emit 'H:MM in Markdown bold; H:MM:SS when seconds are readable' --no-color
**11:42**
